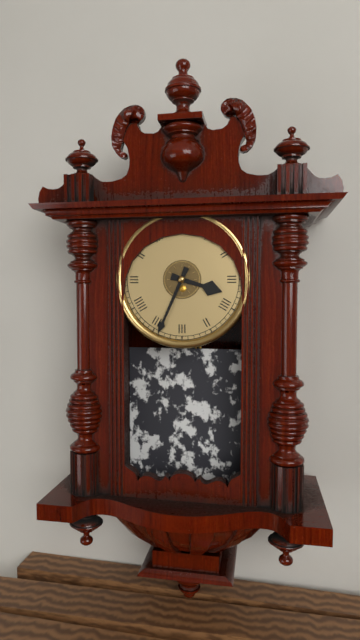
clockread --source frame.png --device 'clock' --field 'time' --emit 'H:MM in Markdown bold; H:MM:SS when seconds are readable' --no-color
**3:34**
